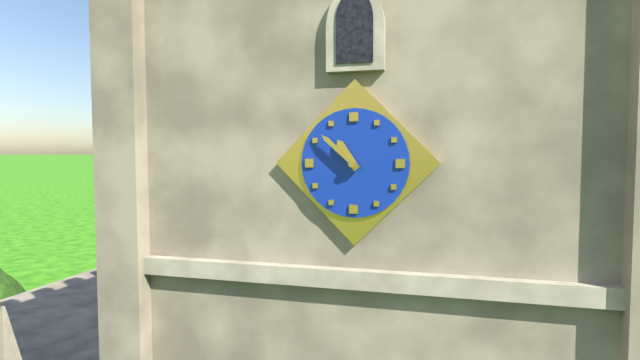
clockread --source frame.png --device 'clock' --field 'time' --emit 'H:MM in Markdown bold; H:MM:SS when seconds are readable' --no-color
**10:52**
